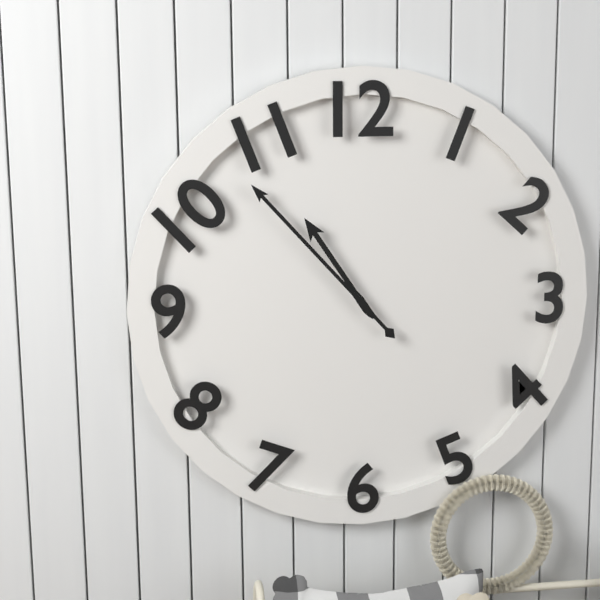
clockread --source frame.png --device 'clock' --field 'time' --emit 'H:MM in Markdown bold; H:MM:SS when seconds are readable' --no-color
**10:53**
